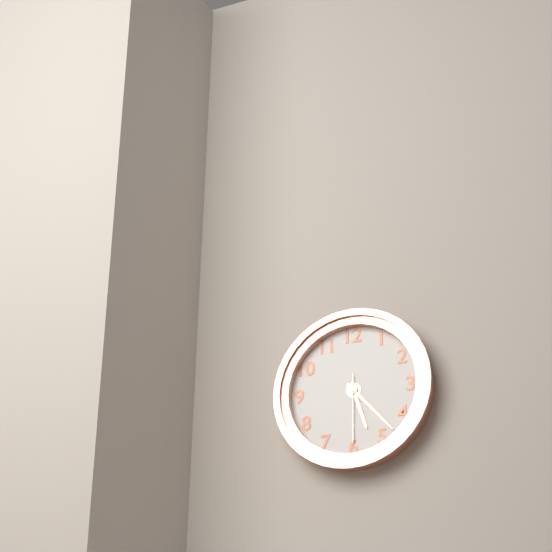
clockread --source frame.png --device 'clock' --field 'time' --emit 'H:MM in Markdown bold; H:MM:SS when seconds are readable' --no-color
**5:23:30**
